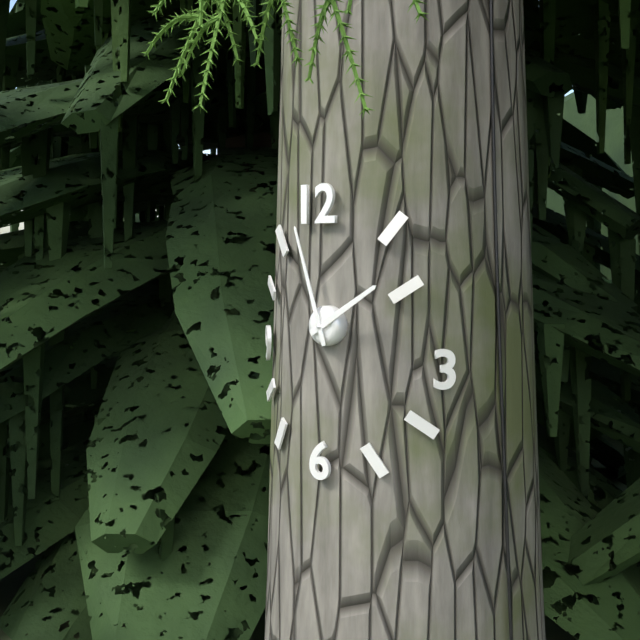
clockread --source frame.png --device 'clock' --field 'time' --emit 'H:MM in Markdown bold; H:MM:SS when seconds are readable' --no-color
**1:57**
